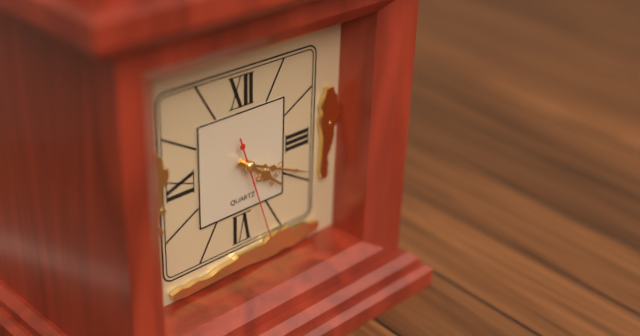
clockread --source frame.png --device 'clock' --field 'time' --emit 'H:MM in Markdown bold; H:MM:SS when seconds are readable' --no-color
**4:19:27**
